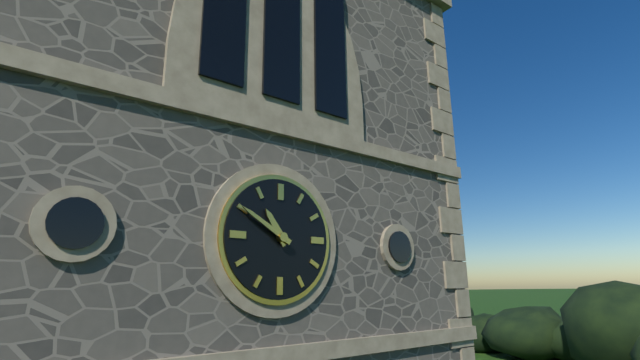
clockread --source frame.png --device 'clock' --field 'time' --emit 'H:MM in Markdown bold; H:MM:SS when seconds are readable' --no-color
**10:50**
